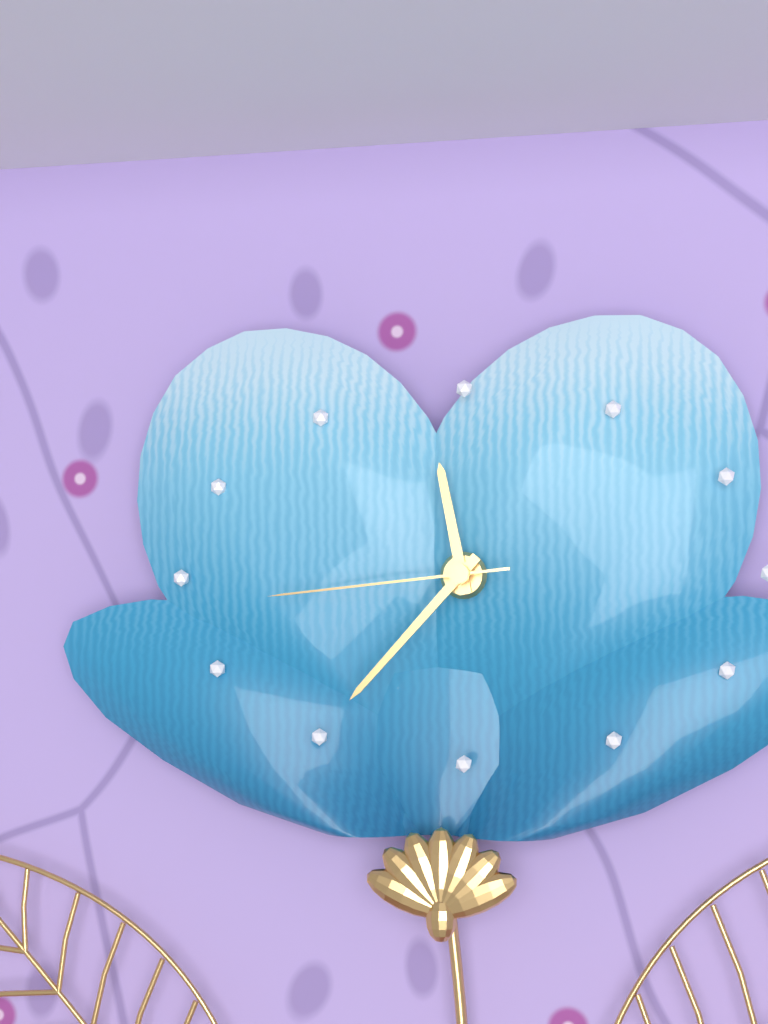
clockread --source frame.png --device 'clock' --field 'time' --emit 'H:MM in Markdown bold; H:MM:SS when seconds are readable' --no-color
**11:37:44**
